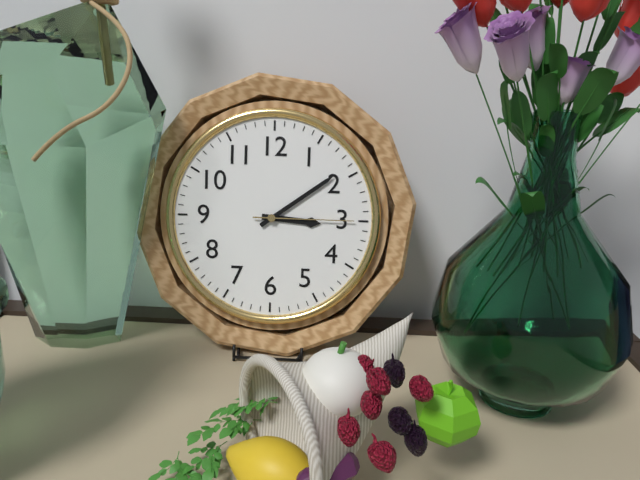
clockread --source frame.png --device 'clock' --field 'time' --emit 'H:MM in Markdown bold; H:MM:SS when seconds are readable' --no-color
**3:09:15**
